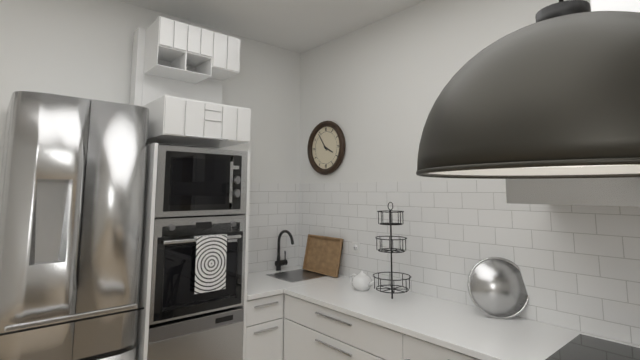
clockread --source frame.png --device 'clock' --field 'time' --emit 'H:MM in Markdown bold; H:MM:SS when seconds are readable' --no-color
**3:54**
